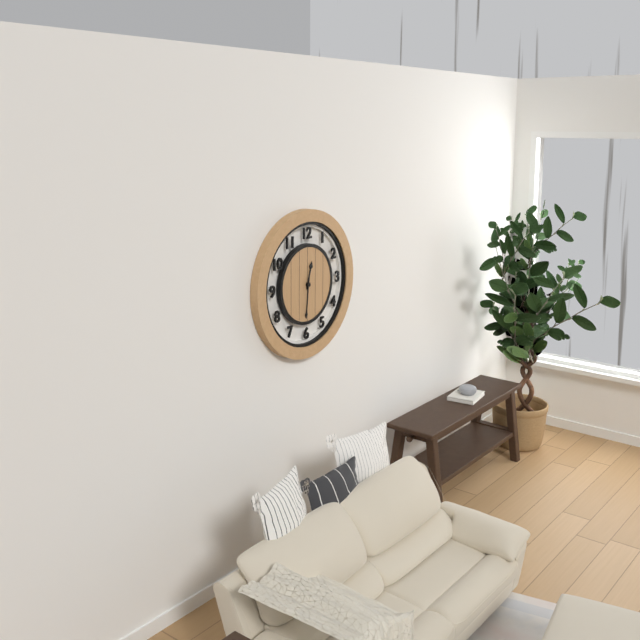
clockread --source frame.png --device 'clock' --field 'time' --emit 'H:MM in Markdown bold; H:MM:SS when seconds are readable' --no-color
**12:31**
